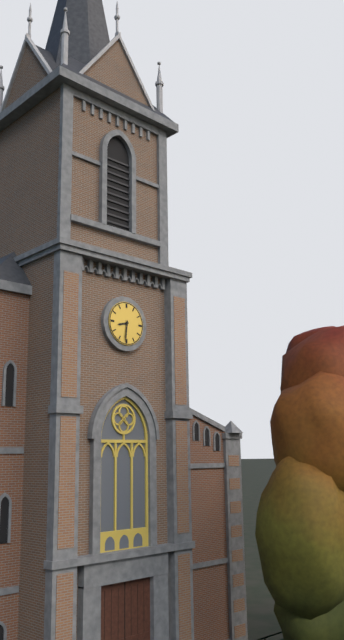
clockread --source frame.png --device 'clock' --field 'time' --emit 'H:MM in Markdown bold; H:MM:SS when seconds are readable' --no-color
**8:31**
